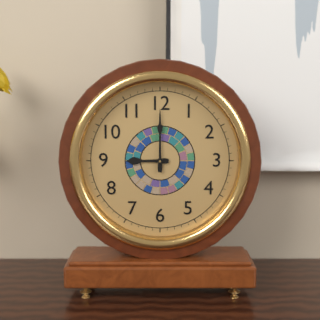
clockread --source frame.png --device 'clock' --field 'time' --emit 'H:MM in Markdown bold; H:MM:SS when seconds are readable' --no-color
**9:00**
